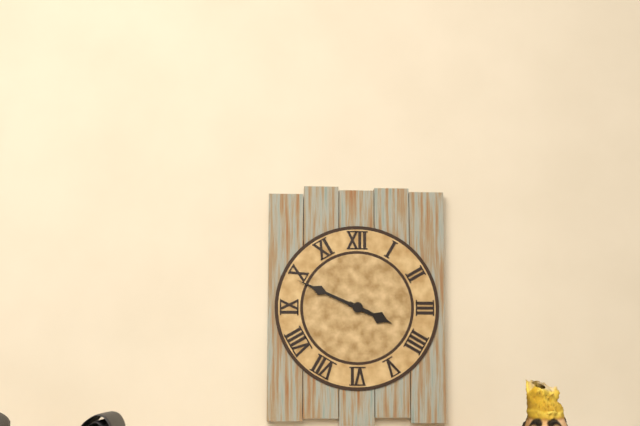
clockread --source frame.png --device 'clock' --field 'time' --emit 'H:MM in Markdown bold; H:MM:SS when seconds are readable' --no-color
**3:49**
